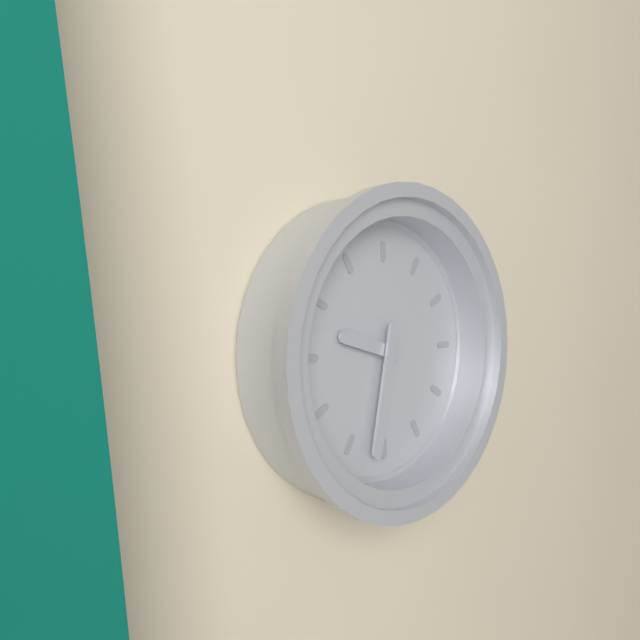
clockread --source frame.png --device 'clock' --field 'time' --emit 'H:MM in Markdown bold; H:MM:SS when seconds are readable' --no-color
**9:32**
